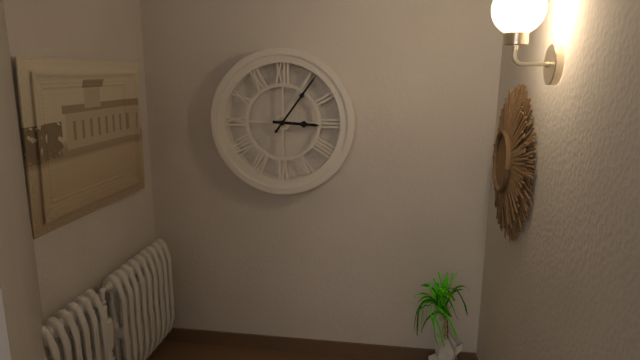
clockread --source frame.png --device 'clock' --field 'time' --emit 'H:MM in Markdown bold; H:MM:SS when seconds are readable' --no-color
**3:06**
